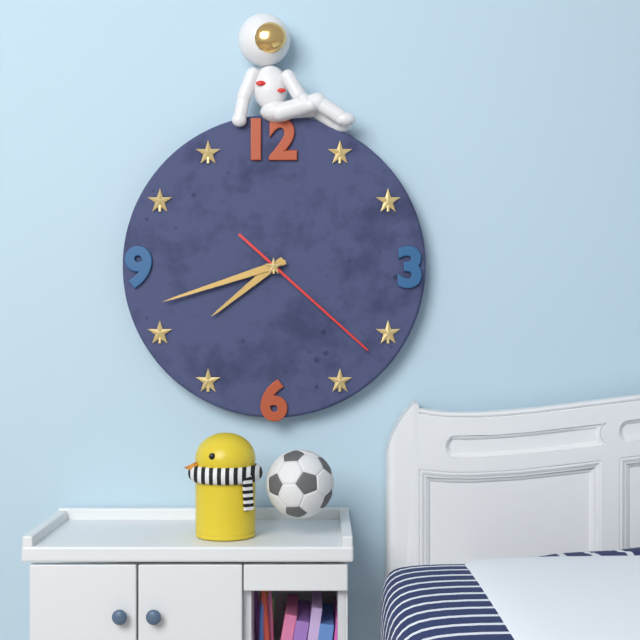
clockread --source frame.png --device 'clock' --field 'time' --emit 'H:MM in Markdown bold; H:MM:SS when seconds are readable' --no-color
**7:42:22**
